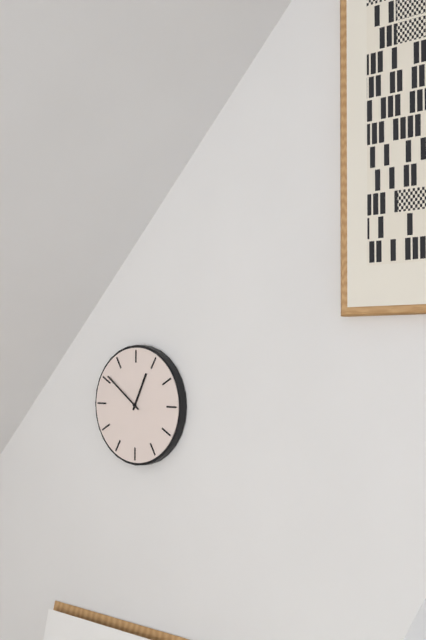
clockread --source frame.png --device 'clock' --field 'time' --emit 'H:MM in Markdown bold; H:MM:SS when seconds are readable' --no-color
**12:51**
